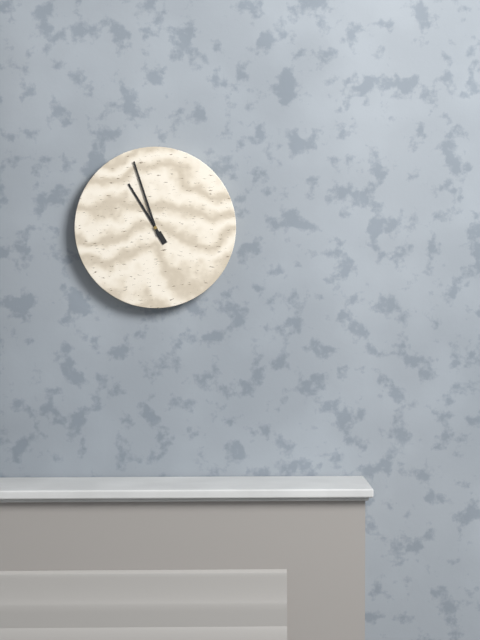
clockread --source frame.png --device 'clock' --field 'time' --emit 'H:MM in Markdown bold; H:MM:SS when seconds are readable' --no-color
**10:57**
